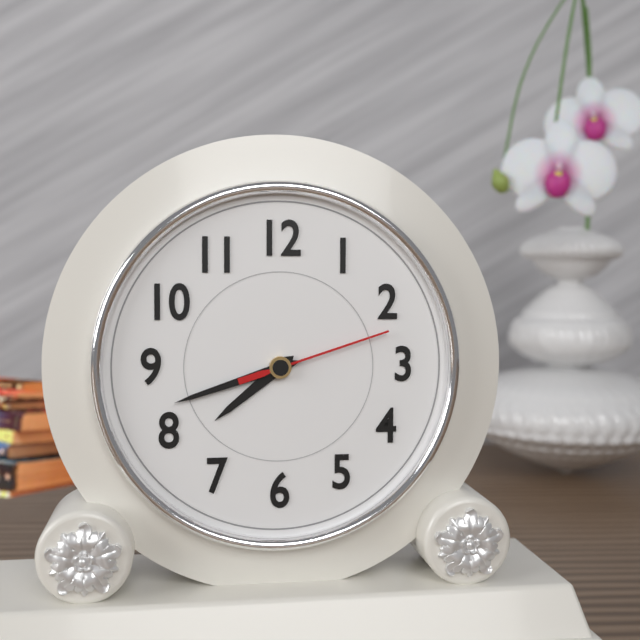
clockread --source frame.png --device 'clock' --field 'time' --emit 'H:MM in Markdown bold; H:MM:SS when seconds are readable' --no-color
**7:42:12**
